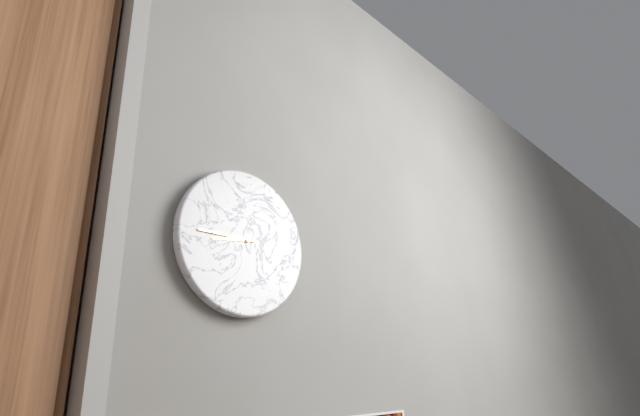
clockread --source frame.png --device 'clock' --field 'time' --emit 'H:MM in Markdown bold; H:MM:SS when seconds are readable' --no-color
**8:45**
